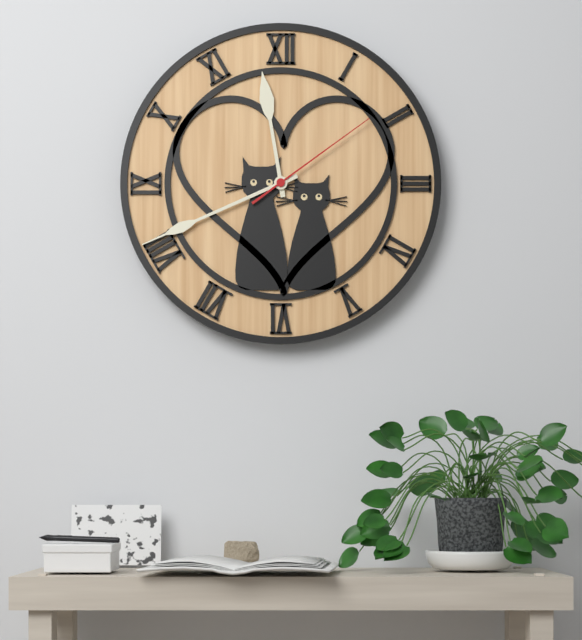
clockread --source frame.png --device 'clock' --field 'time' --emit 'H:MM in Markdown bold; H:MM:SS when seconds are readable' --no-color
**11:41:09**
